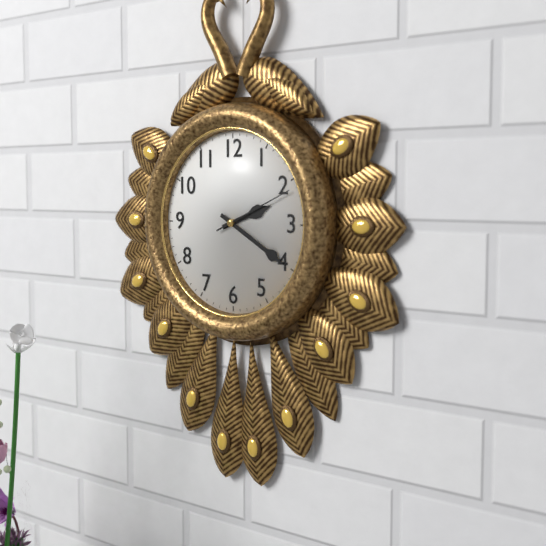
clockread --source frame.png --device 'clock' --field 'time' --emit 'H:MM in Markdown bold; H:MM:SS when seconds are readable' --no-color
**2:20:11**
